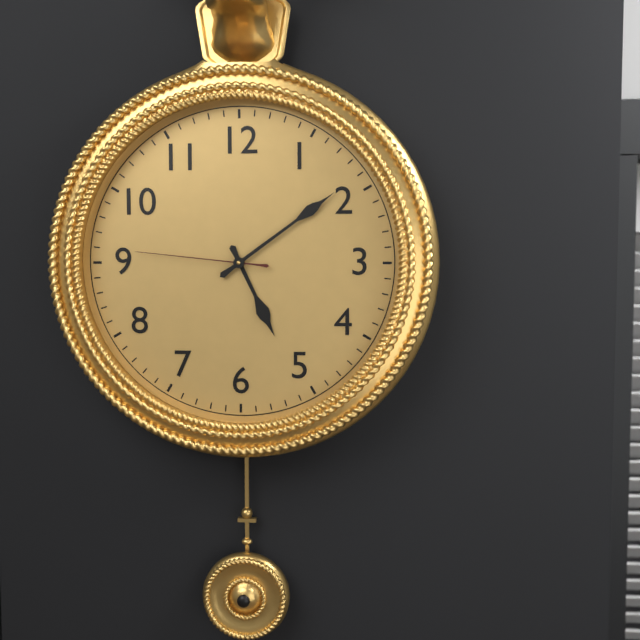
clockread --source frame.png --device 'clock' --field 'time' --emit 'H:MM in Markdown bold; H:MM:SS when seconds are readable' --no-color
**5:09:46**
